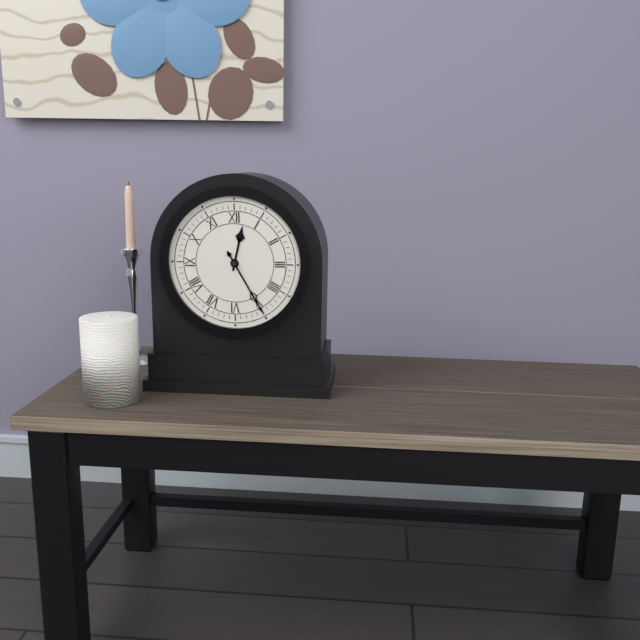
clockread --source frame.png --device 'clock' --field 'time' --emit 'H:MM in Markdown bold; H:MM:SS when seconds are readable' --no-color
**12:25**
